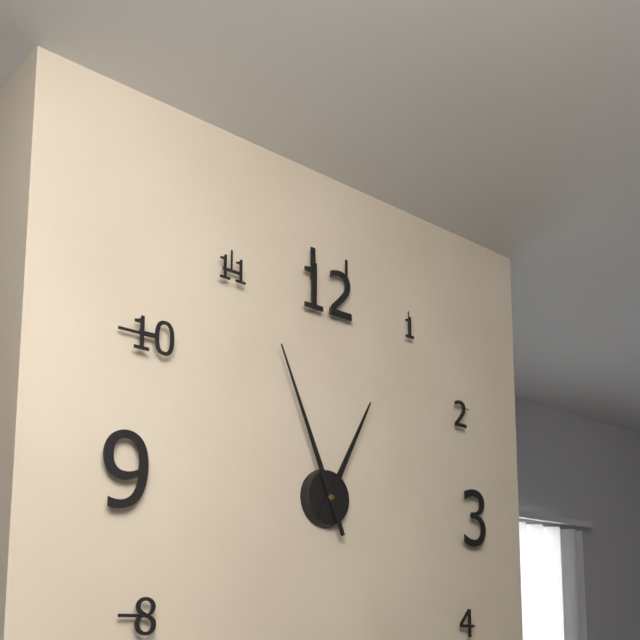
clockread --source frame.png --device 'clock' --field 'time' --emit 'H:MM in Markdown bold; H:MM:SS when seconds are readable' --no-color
**12:56**
